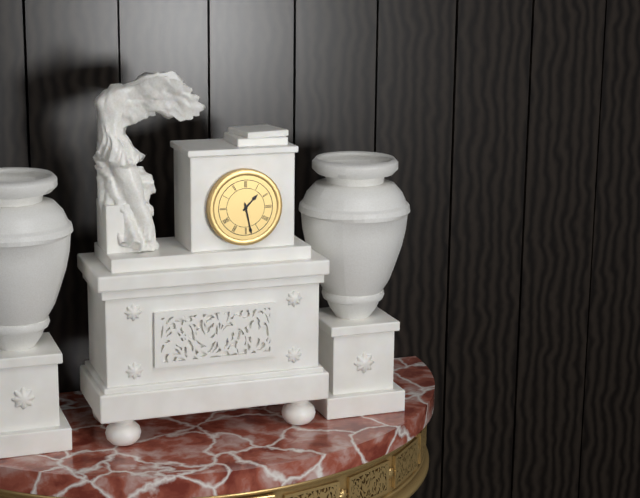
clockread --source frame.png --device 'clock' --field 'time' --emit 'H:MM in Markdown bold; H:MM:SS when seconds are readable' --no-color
**1:28**
